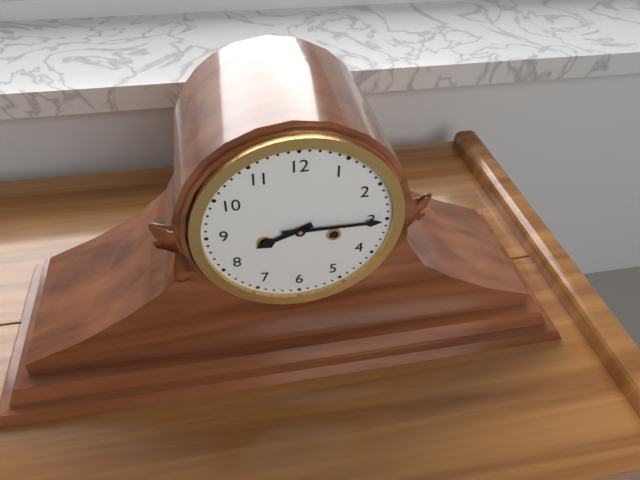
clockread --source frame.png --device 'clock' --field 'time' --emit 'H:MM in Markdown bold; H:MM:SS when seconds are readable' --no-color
**8:15**
